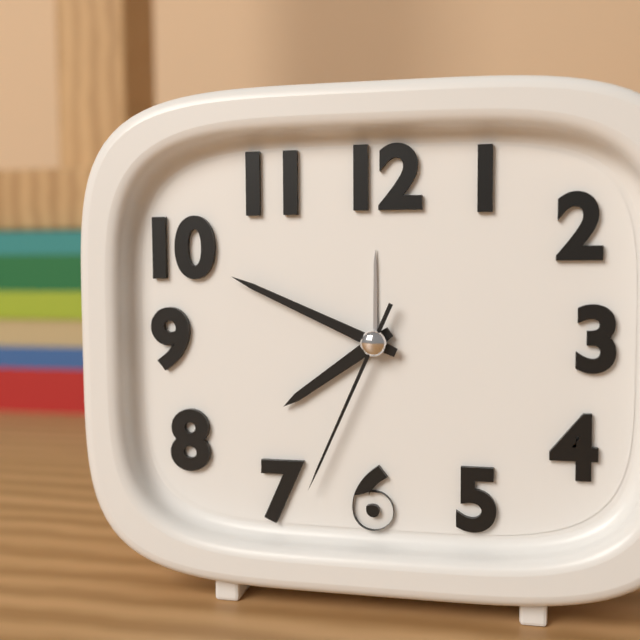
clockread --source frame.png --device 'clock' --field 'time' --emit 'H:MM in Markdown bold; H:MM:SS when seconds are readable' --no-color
**7:49:34**
